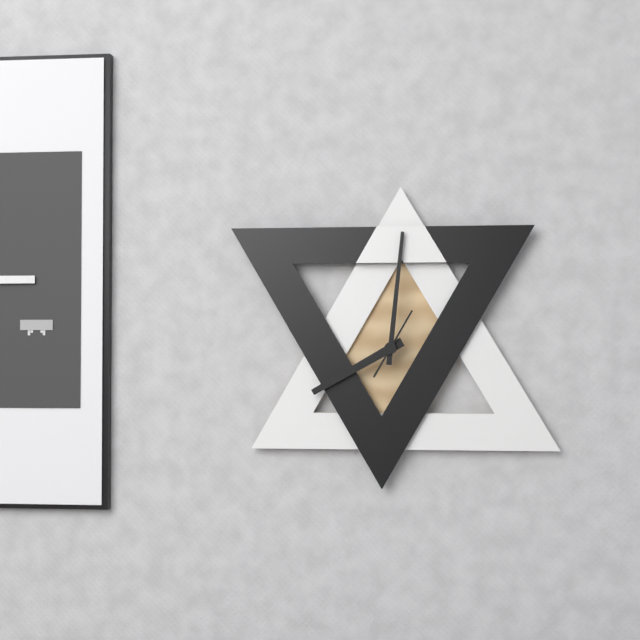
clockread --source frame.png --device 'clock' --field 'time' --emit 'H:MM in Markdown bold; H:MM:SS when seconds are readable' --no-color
**8:01:05**
